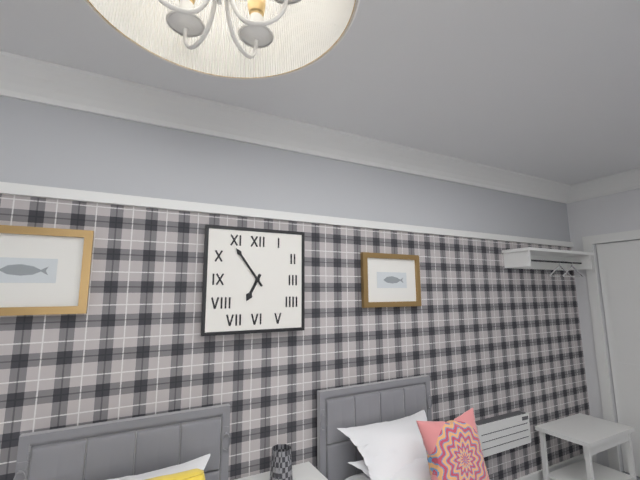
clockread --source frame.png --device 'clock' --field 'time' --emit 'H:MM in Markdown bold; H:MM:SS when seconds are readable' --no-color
**6:54**
